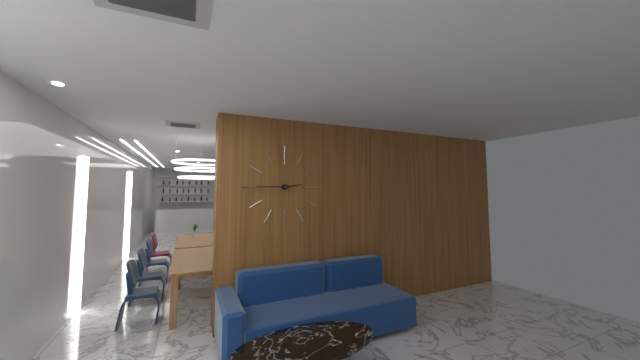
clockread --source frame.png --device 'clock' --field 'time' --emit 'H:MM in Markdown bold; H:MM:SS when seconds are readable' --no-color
**2:45**
